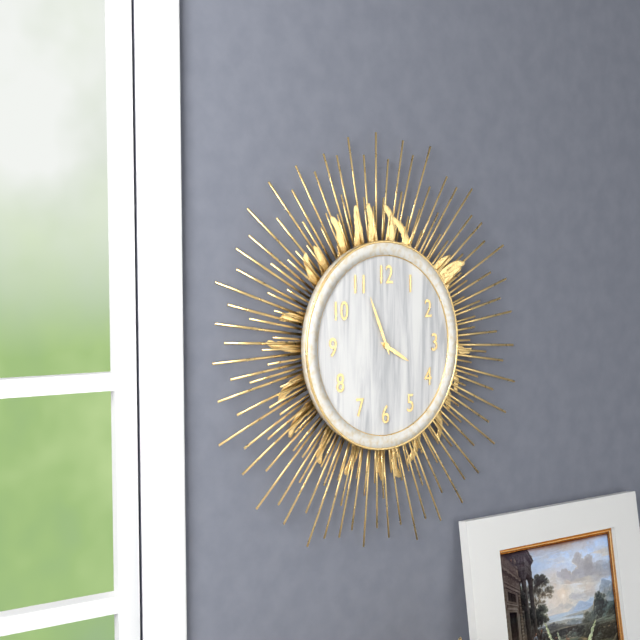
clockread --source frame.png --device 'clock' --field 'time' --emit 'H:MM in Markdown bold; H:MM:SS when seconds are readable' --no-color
**3:56**
